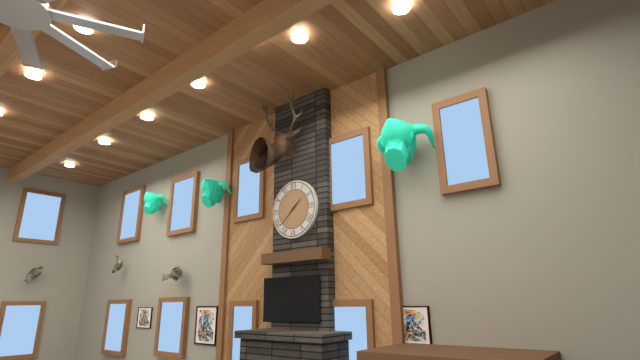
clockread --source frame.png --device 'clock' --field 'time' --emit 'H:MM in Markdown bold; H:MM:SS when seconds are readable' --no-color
**1:38**
